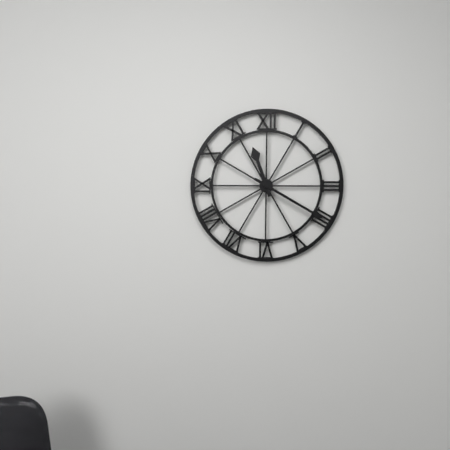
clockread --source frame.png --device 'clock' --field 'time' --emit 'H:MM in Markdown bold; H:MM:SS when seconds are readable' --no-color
**11:20**
